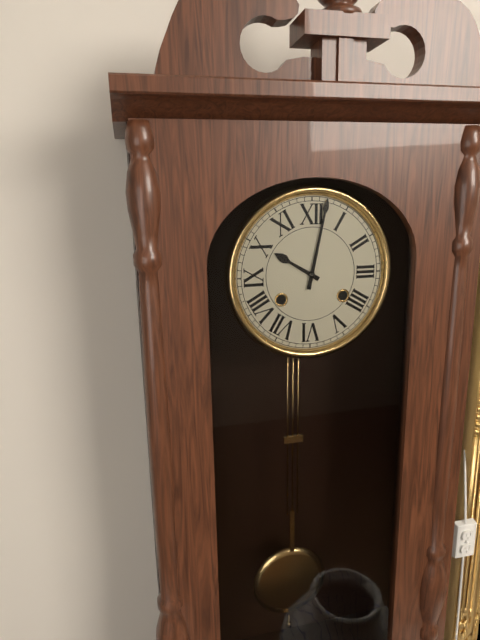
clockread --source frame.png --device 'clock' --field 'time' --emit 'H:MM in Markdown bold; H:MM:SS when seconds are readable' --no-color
**10:02**
